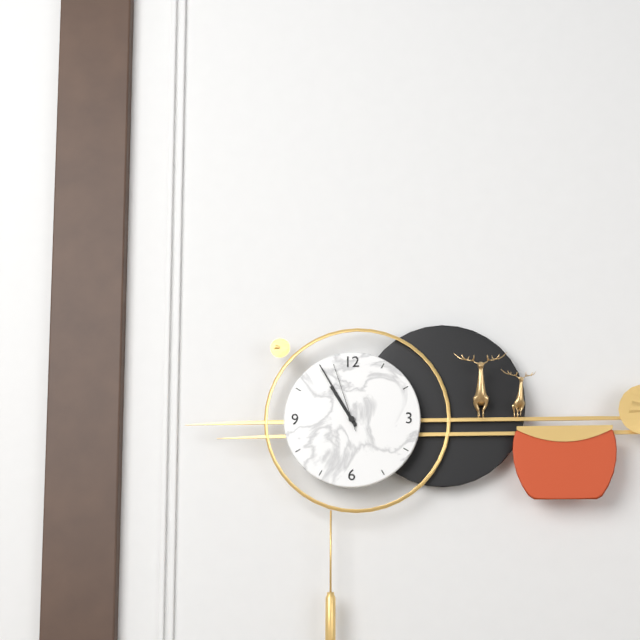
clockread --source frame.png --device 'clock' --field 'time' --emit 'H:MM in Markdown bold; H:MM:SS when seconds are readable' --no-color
**10:55:57**
